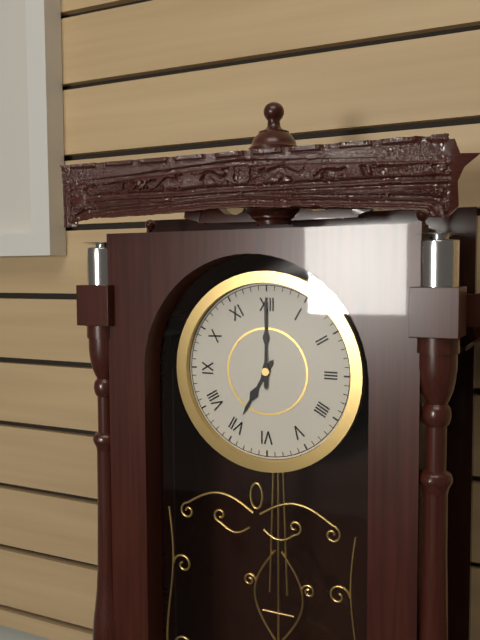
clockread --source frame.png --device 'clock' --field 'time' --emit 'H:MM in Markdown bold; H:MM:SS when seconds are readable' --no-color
**7:00**
